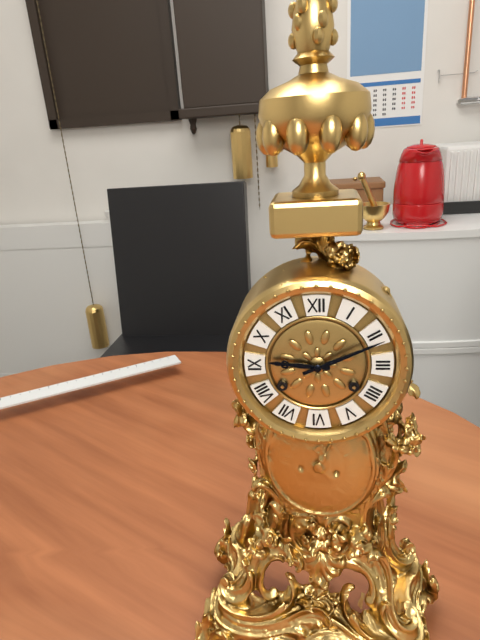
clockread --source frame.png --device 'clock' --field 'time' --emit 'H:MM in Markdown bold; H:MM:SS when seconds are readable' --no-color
**9:11**
